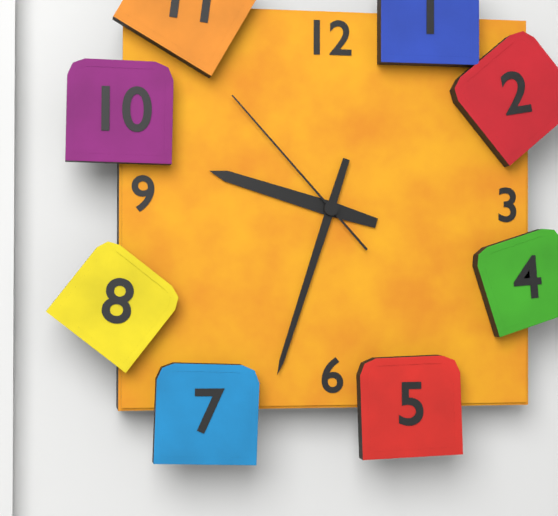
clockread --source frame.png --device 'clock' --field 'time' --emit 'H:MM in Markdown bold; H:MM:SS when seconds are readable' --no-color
**9:33:53**
